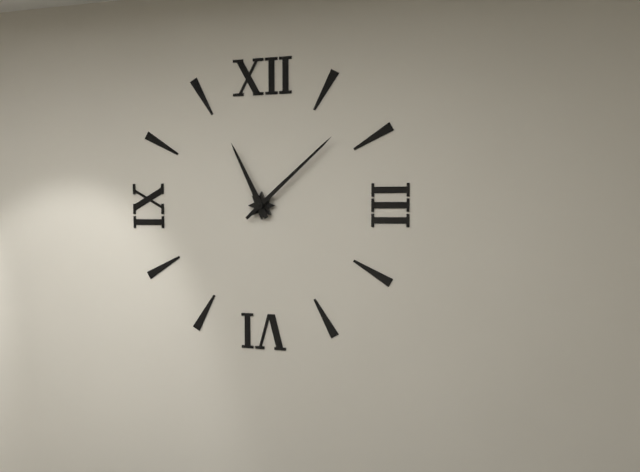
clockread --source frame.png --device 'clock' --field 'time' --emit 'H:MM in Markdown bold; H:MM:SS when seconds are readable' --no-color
**11:08**
